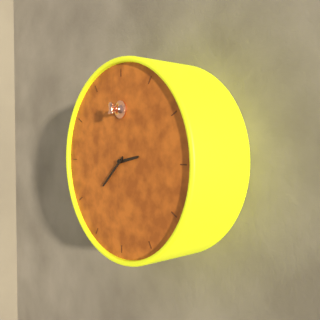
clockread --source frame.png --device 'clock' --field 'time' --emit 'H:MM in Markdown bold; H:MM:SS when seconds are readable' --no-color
**2:38**
